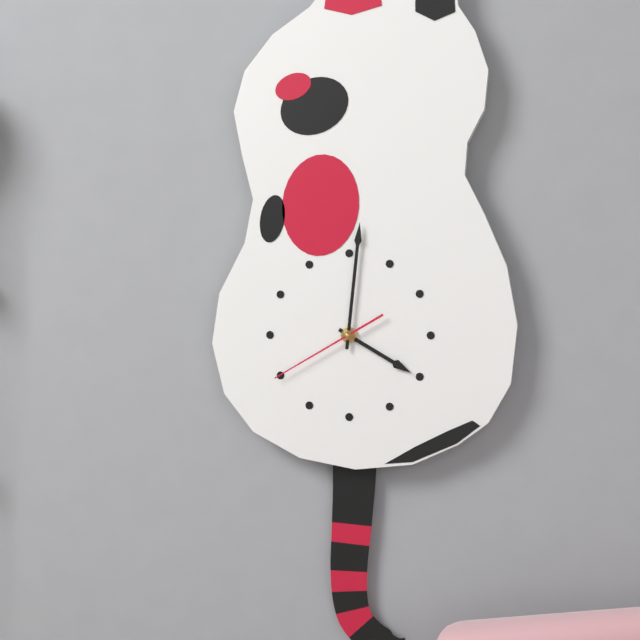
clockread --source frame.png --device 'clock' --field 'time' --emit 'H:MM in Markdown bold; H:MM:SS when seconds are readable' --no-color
**4:01:40**
